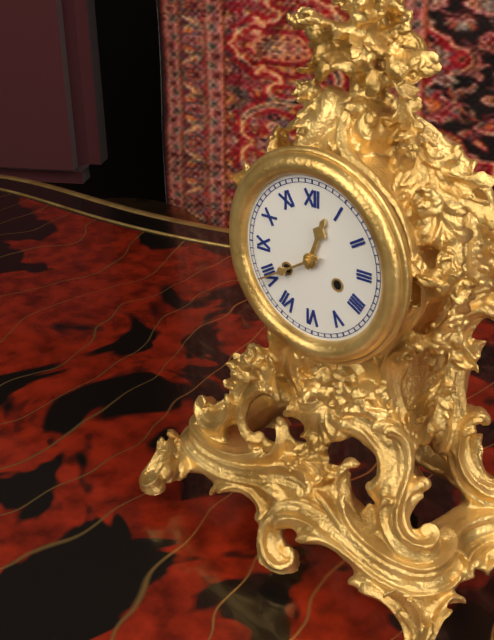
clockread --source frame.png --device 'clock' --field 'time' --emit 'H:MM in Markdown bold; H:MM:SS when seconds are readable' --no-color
**12:40**
